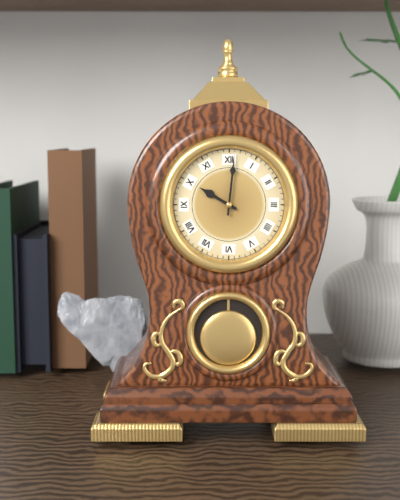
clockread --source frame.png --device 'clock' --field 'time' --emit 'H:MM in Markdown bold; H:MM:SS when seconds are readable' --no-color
**10:01**
